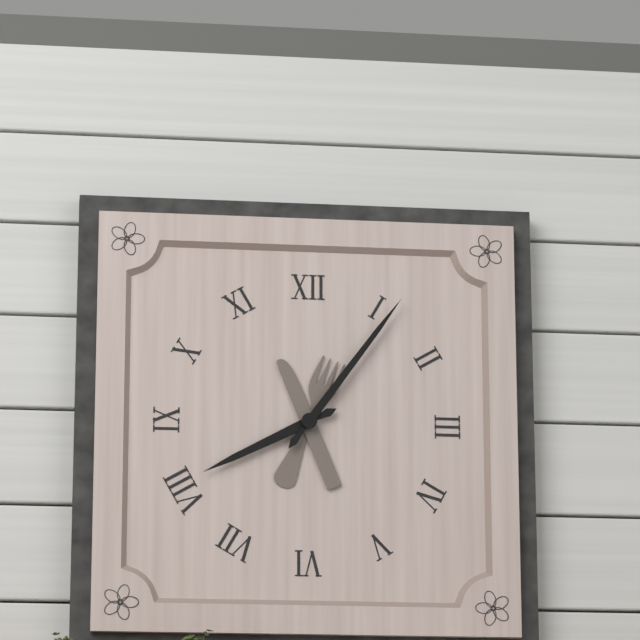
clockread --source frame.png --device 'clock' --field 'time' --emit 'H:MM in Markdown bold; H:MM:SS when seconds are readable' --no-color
**8:06**
